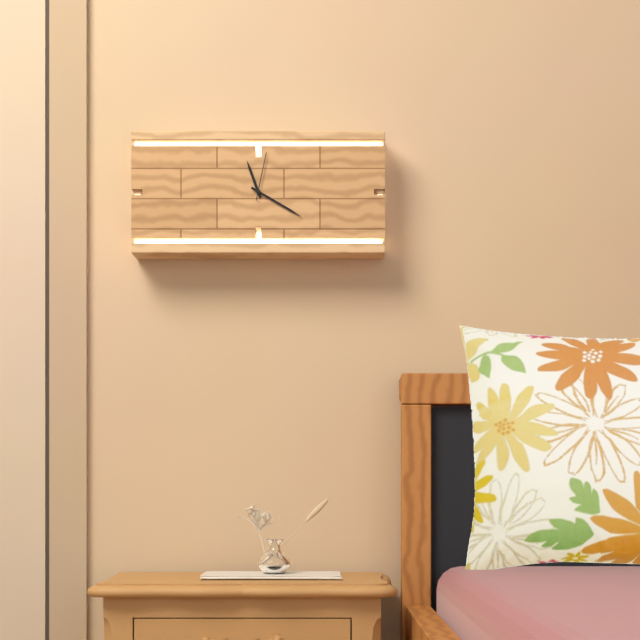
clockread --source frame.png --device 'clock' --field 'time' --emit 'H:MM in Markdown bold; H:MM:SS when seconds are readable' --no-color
**11:20:02**
